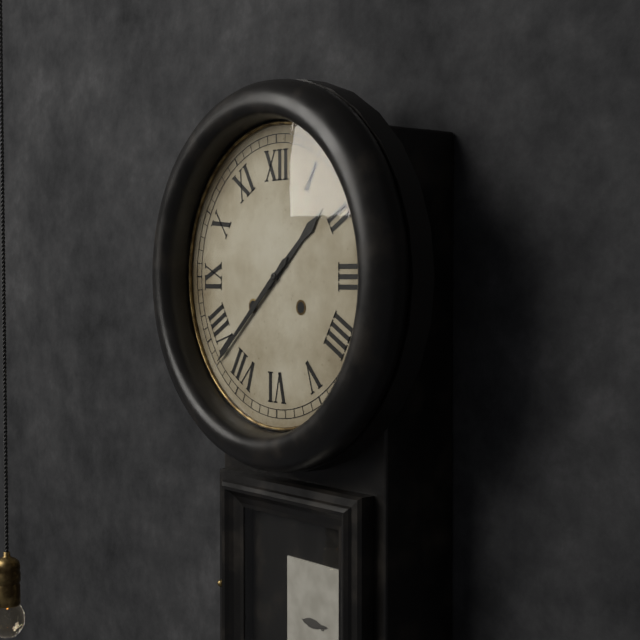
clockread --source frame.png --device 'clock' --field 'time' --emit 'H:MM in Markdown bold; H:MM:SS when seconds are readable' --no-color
**1:38**
